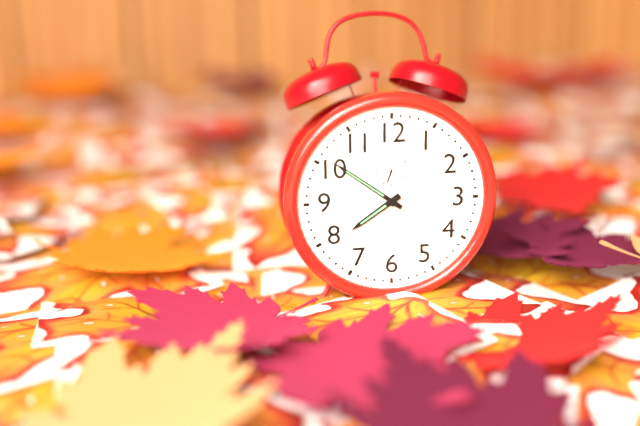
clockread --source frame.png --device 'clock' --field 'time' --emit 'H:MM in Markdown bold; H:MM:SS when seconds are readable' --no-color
**7:51**
